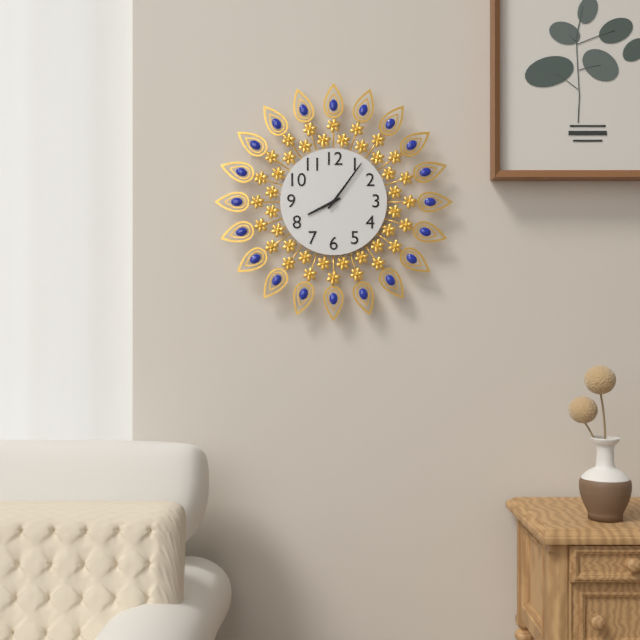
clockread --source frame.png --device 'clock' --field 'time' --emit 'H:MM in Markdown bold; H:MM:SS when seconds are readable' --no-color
**8:06**
